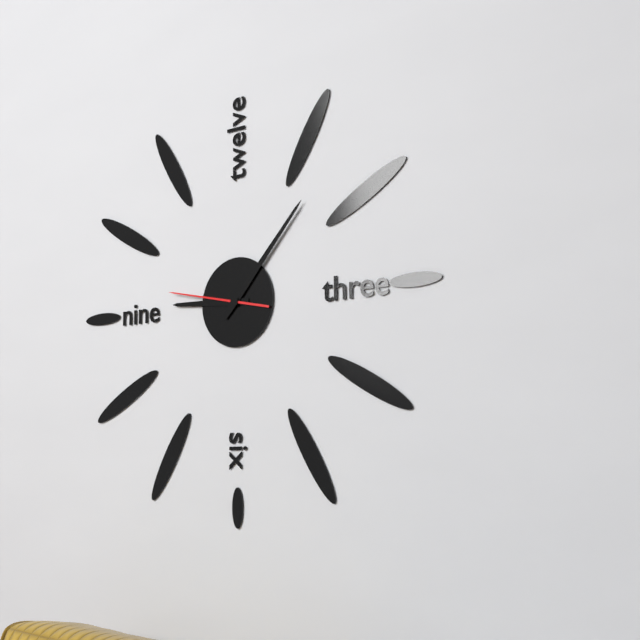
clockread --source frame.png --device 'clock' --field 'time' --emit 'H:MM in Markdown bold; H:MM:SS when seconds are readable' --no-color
**9:07:47**
